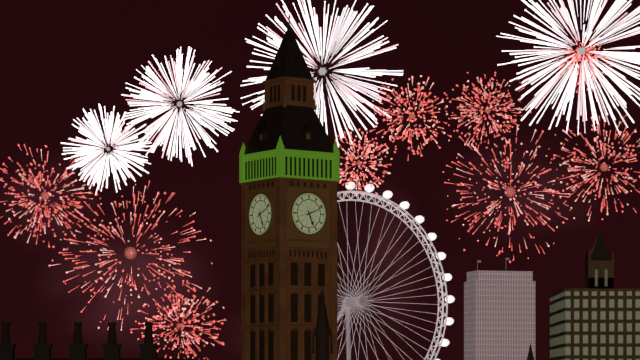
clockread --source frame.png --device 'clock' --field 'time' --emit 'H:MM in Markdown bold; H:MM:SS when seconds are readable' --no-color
**5:11**
